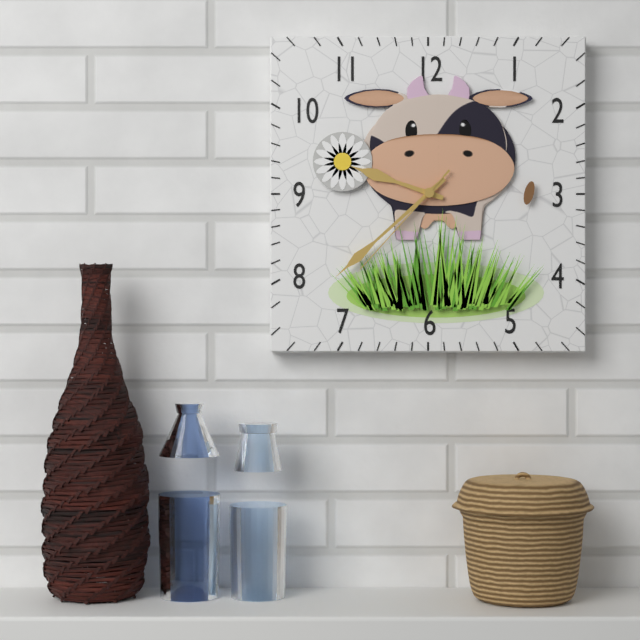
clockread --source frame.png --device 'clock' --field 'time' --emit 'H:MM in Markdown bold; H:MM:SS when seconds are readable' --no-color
**9:38:37**
